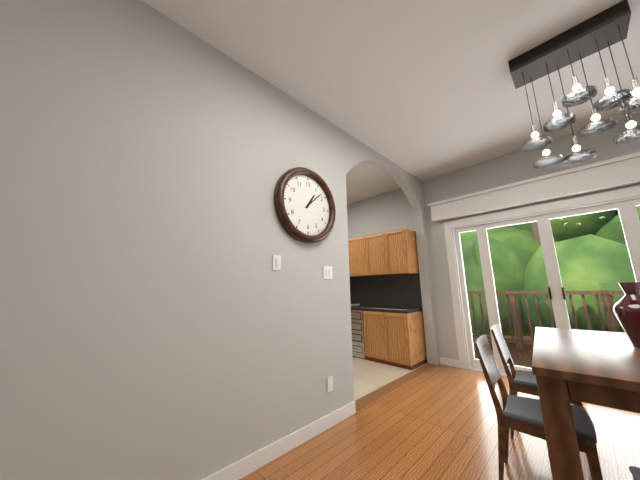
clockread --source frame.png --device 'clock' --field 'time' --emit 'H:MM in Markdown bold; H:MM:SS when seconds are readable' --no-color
**1:08**
